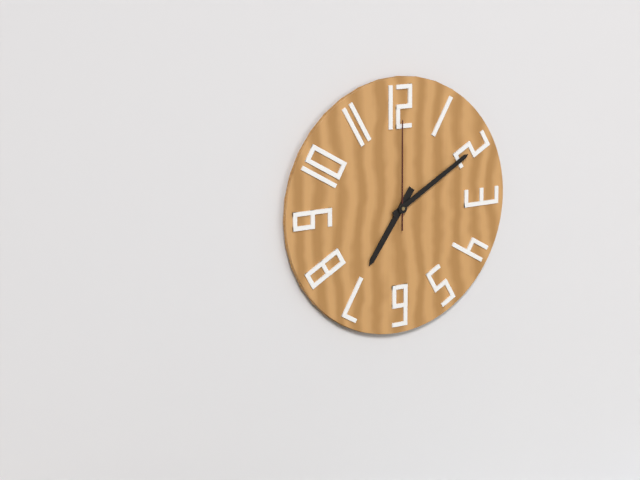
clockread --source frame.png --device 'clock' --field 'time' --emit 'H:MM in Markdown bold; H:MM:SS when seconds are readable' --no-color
**7:10:00**
